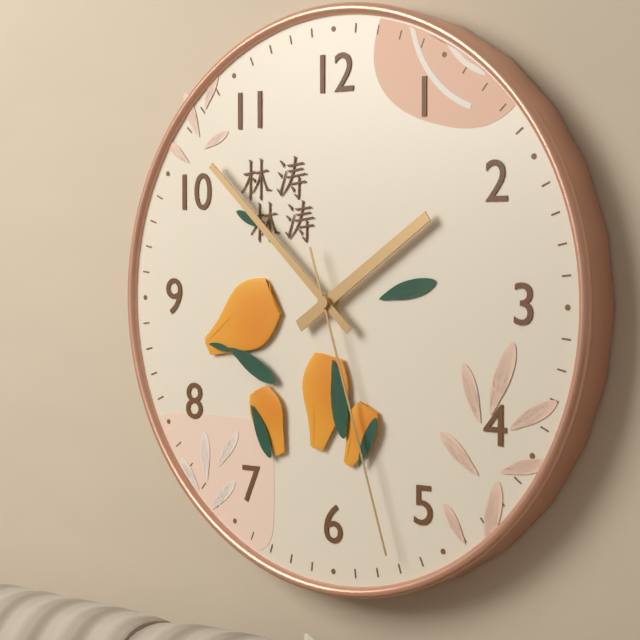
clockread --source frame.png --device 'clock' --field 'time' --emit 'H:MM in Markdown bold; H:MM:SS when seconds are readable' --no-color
**1:52:27**
